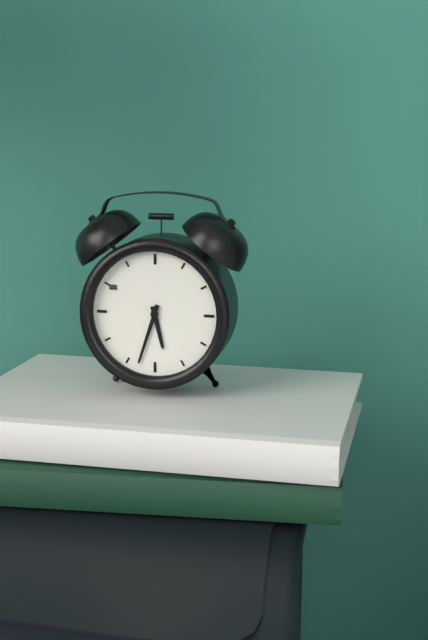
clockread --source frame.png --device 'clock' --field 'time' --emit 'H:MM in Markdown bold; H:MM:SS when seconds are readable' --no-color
**5:33**
